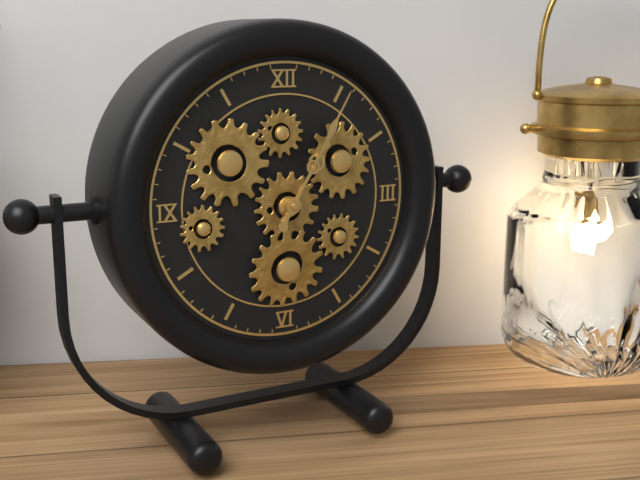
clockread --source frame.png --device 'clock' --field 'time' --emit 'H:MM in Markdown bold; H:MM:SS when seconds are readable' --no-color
**1:05**
